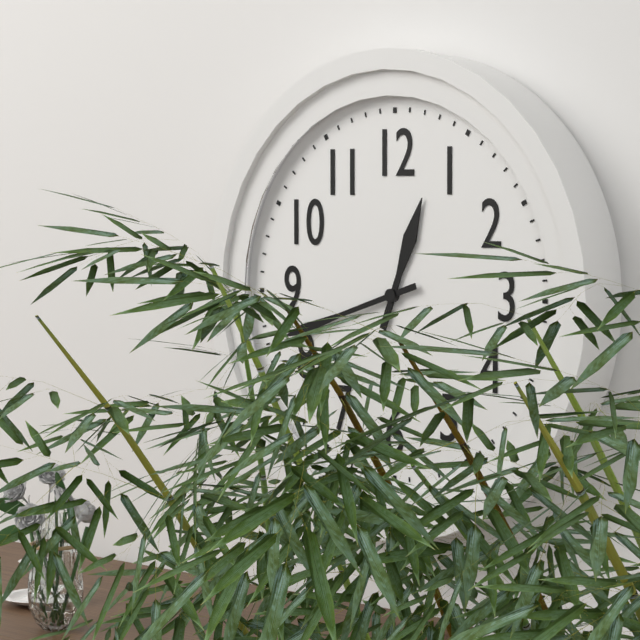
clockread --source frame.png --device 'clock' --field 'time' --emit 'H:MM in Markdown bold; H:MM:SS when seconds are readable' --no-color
**12:42**
